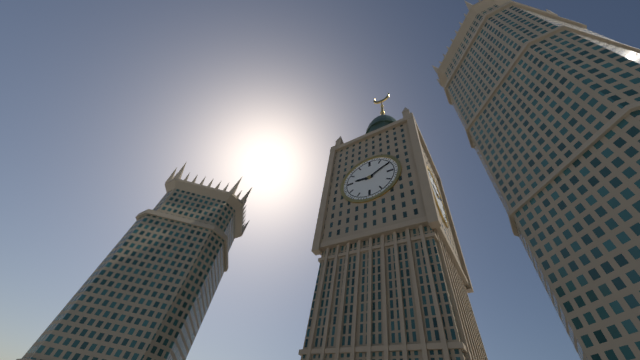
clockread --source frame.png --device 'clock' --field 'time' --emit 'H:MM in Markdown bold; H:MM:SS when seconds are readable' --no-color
**9:10**
